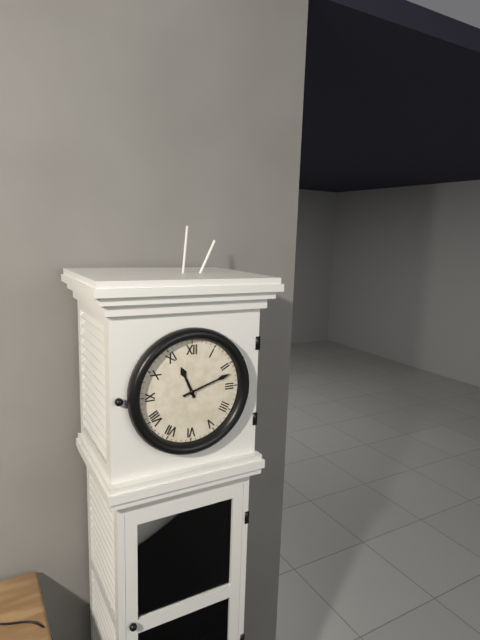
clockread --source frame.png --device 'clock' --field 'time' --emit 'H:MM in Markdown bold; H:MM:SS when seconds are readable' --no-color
**11:12**
